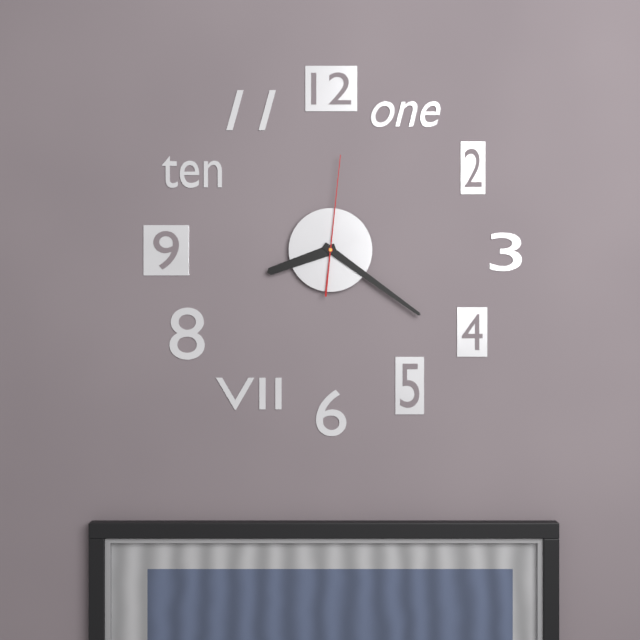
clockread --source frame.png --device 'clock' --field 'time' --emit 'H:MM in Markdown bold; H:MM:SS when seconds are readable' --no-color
**8:21:01**
